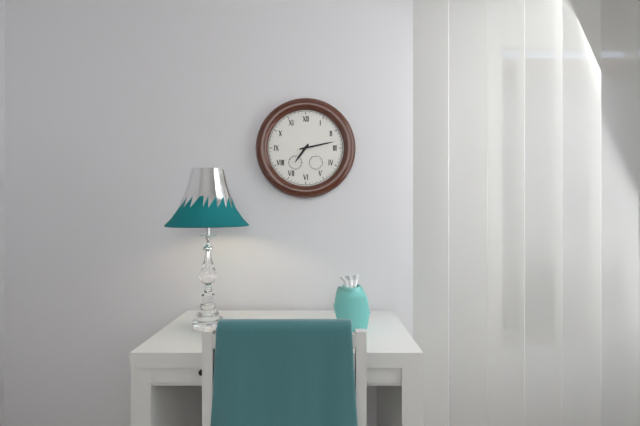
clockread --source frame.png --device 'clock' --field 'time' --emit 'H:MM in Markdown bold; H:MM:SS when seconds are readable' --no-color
**7:13**
